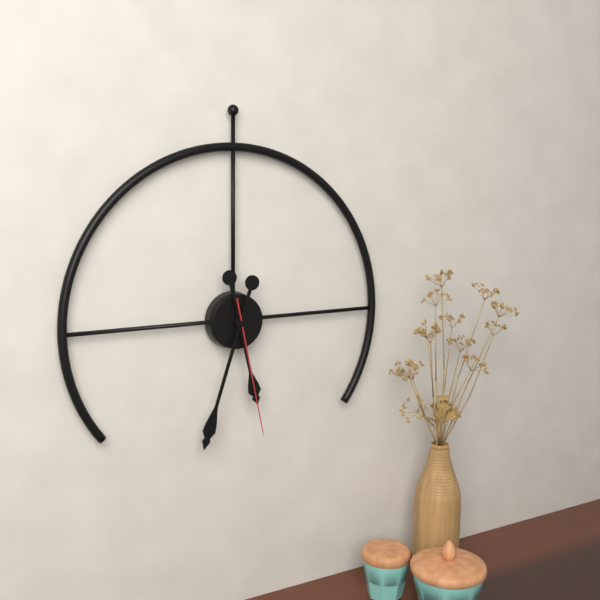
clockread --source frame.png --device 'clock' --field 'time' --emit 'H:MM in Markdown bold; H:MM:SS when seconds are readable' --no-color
**5:33:28**
